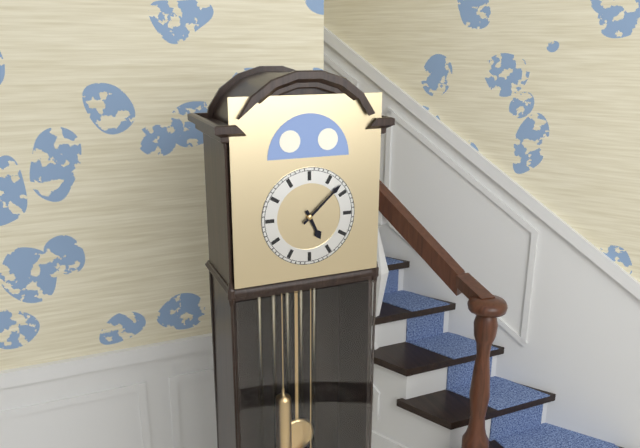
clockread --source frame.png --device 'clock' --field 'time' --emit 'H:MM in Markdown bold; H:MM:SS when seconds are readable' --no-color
**5:08**
